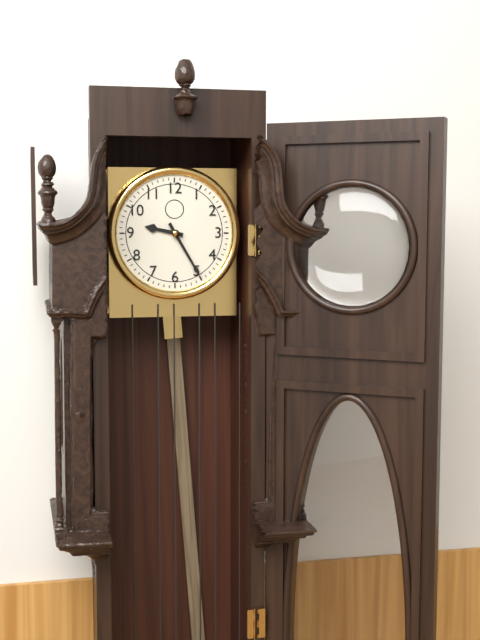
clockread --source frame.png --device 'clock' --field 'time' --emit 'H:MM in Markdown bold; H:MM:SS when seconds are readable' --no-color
**9:25**
